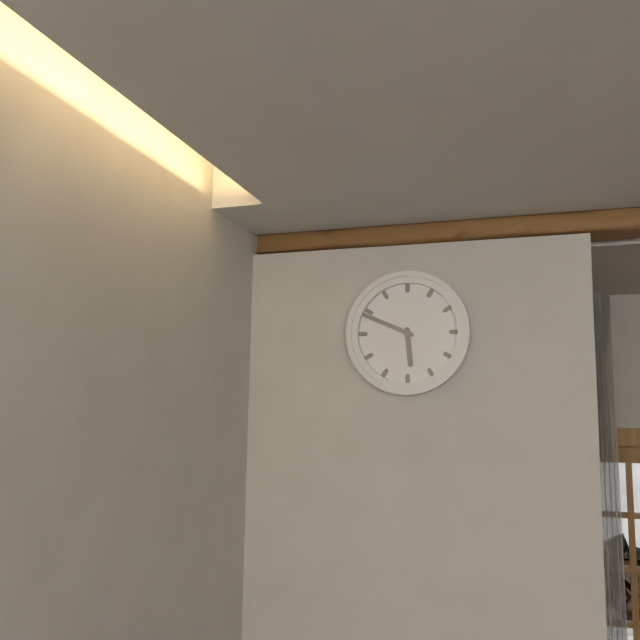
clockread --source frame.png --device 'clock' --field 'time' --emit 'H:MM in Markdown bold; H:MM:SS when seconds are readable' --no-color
**5:49**
